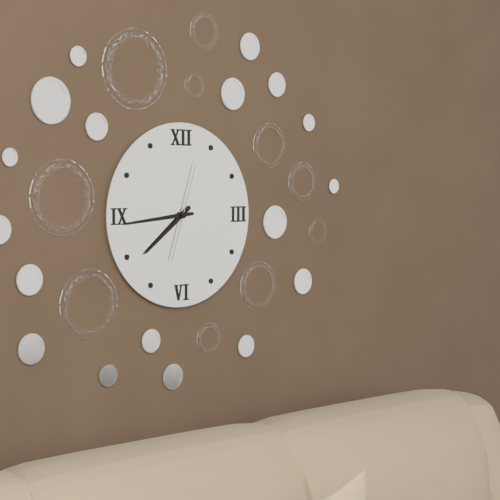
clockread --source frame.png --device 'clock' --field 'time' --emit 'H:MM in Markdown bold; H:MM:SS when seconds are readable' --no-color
**7:44:03**
